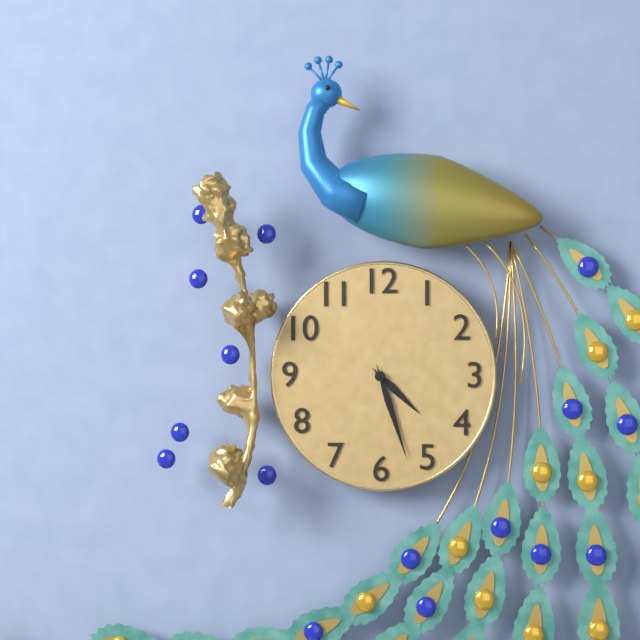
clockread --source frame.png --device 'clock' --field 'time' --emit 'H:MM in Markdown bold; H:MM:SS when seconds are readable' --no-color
**4:27**
